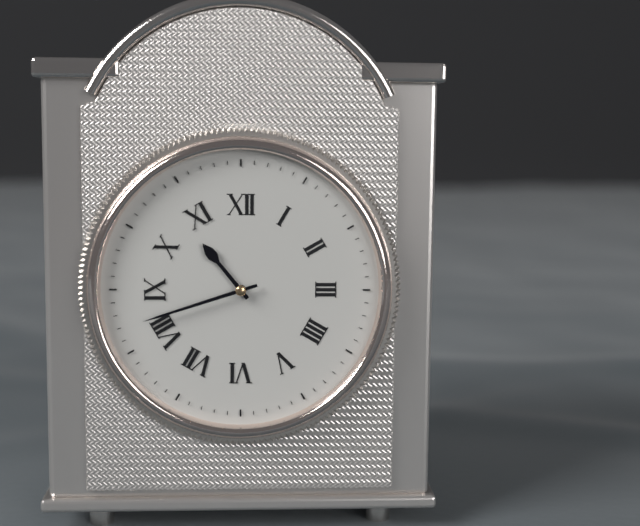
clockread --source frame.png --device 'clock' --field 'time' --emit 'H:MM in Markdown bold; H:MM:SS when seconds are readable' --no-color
**10:42**
